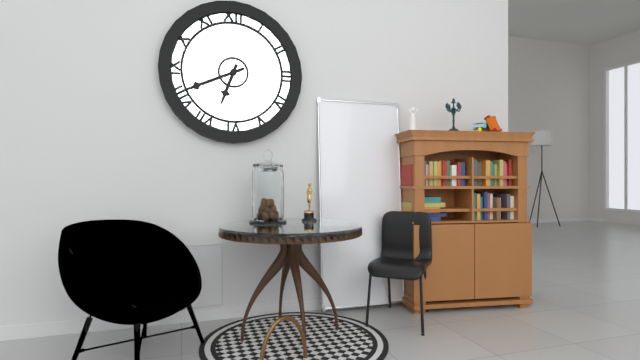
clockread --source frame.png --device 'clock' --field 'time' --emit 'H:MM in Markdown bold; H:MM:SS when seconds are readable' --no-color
**6:41**
